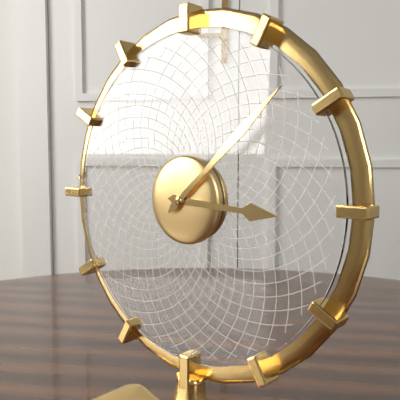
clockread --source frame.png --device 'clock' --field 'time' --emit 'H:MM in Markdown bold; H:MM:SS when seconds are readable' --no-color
**3:08**
